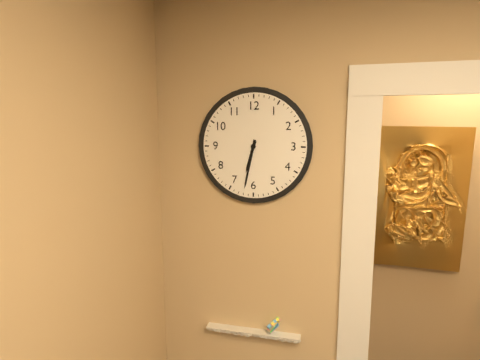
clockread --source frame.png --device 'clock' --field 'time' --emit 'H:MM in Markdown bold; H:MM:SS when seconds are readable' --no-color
**6:32**
